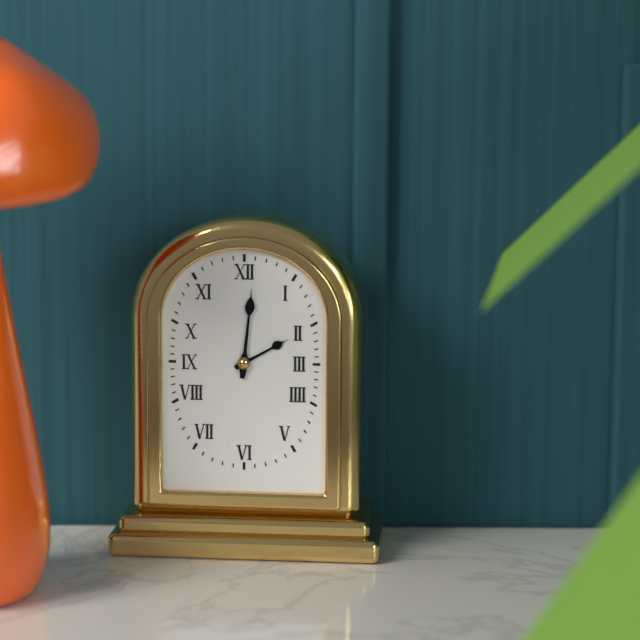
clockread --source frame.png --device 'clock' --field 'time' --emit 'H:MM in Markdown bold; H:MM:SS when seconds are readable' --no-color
**2:01**
